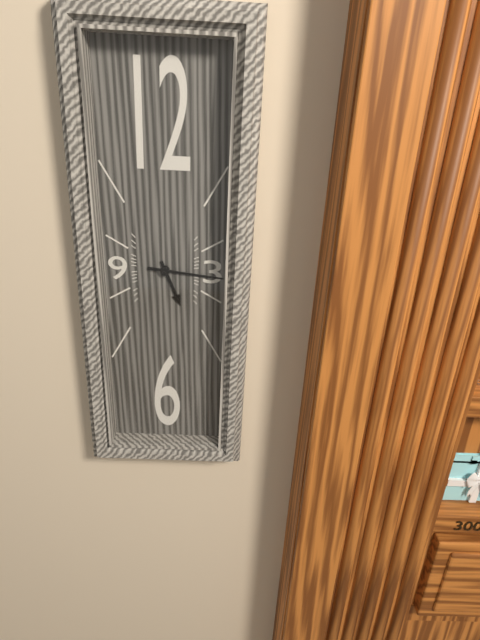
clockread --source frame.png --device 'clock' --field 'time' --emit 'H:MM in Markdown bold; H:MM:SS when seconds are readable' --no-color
**5:16**
